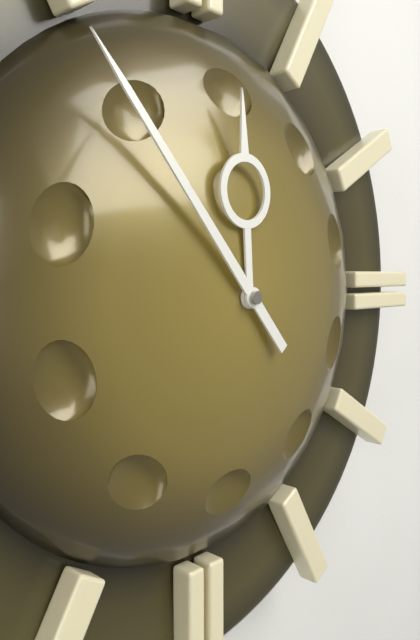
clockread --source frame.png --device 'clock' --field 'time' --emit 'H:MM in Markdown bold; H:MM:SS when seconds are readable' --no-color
**11:53**
